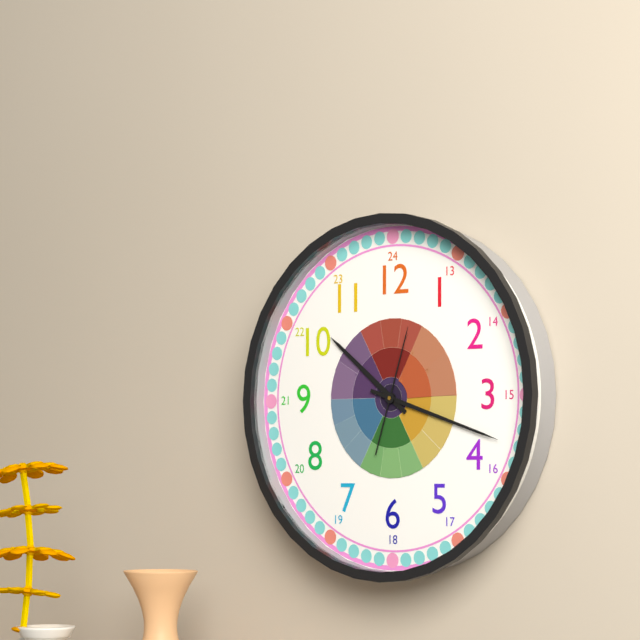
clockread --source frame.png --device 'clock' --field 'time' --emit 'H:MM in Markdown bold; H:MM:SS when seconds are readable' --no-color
**10:18:03**
